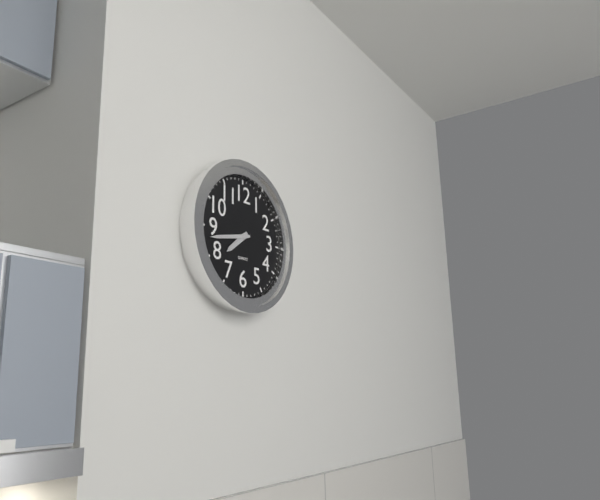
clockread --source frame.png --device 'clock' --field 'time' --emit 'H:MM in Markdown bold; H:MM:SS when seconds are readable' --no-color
**7:43**
